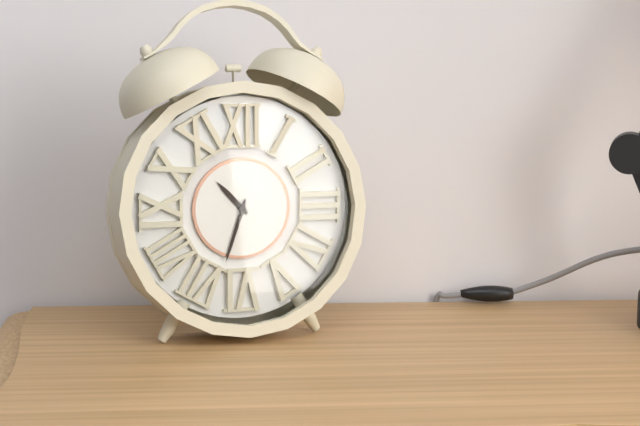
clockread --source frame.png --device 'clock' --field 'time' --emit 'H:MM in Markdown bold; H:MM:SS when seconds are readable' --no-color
**10:33**
